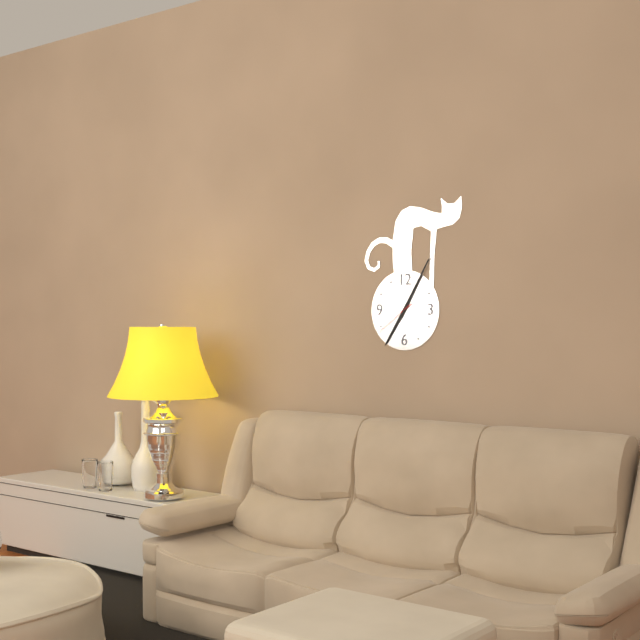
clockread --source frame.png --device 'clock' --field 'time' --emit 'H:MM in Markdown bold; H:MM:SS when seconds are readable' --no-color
**7:05**
